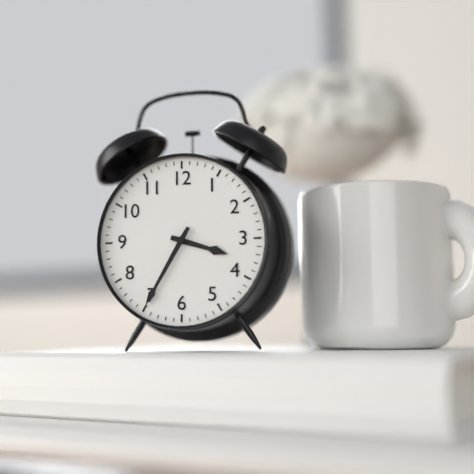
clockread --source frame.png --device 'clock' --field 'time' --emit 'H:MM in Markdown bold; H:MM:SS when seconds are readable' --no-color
**3:35**
